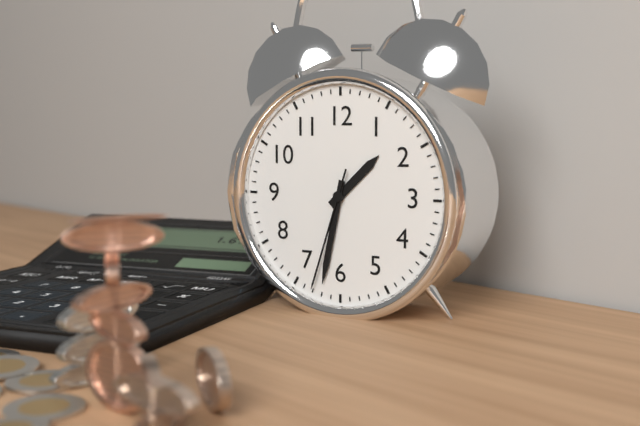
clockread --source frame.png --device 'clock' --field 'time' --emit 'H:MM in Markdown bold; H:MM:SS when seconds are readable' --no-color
**1:32:33**
